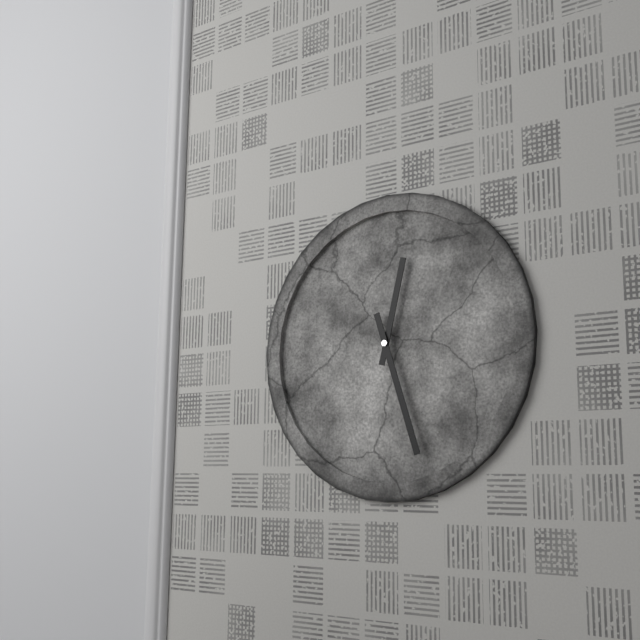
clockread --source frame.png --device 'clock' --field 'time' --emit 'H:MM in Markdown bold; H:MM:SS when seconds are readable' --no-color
**12:27**
